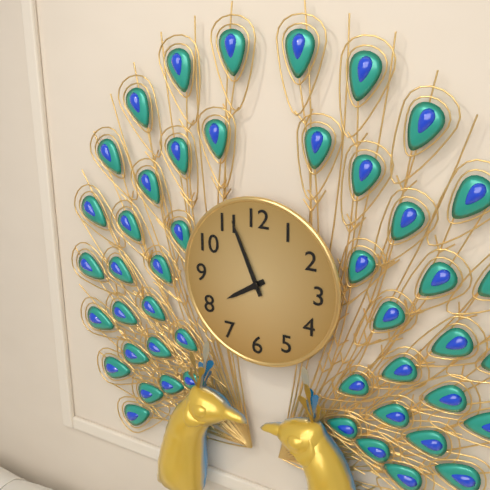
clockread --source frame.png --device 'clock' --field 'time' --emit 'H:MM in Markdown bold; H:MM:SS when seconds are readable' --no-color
**7:56**
